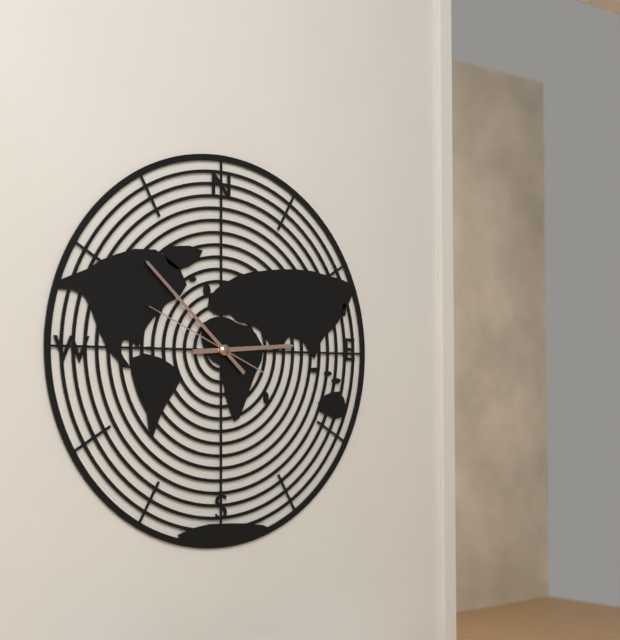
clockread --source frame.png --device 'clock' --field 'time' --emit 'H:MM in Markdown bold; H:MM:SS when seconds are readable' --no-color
**2:52:49**
